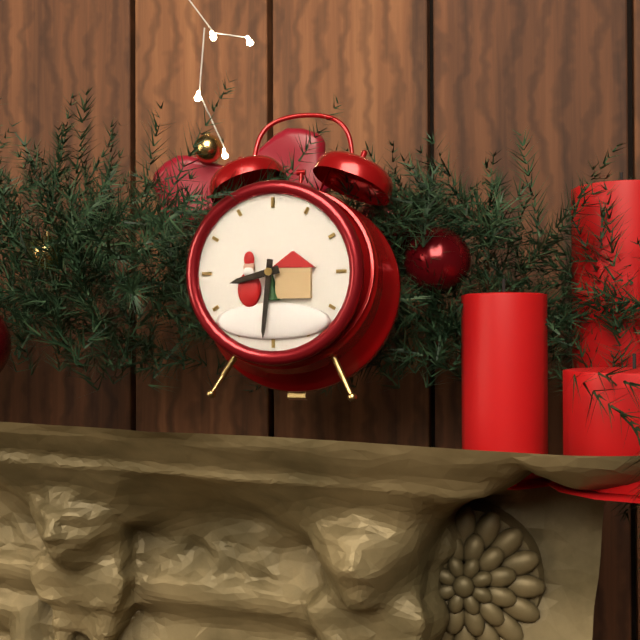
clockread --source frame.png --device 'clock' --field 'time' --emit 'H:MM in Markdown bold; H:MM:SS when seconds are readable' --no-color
**8:31**
